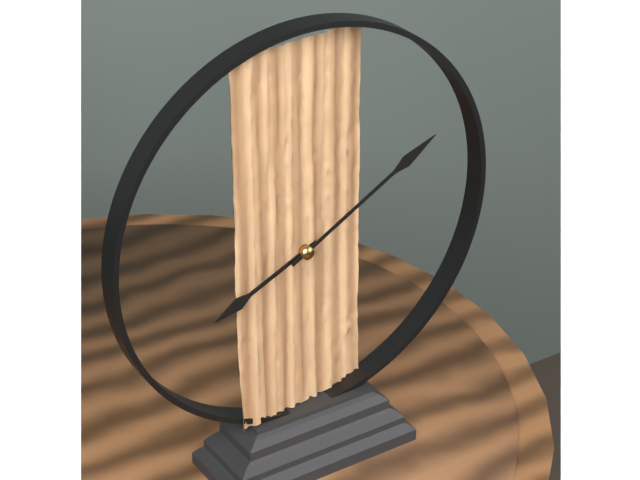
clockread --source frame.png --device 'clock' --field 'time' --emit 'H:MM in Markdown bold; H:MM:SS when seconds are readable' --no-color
**8:10**
